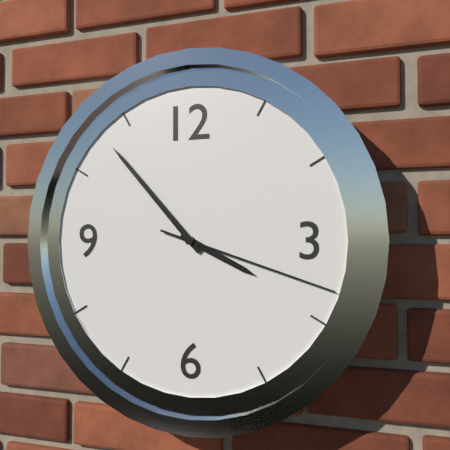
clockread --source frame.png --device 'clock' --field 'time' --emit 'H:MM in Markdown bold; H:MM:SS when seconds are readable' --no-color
**3:53:18**
